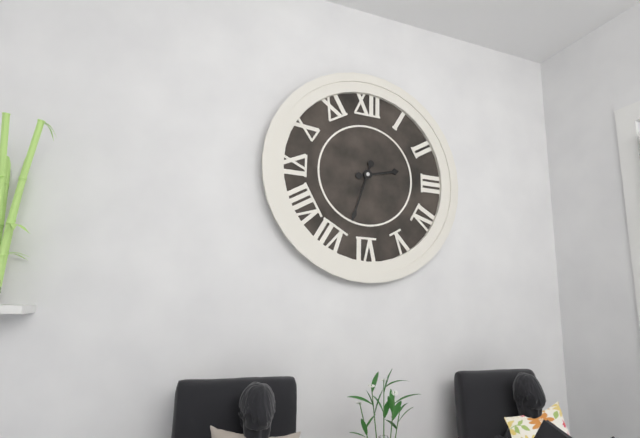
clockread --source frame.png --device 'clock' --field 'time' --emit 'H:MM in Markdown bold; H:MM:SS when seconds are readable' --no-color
**2:33**
